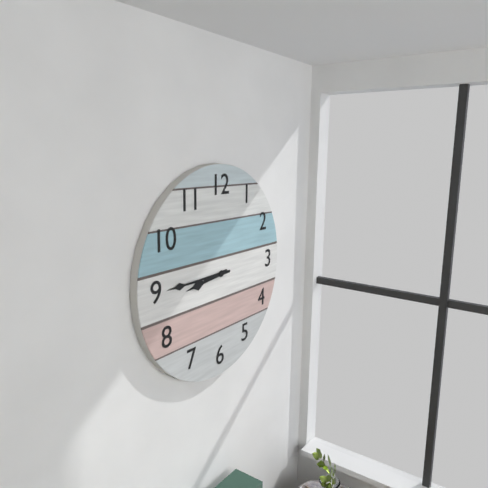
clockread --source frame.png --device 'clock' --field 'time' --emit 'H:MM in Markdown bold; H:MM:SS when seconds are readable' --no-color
**8:45**
